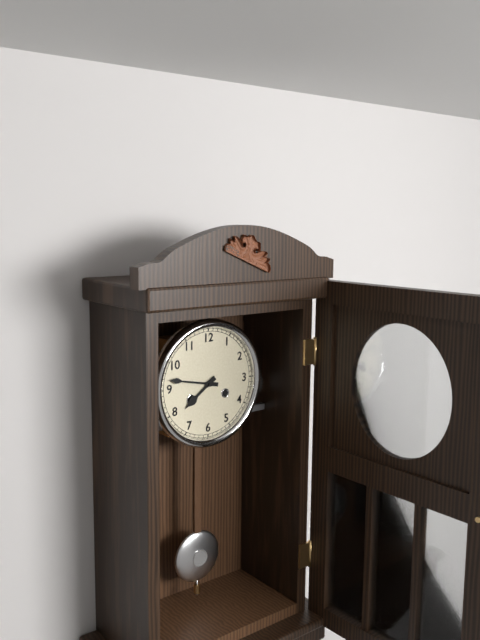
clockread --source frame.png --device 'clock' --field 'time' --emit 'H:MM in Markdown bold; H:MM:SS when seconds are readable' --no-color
**7:47**
